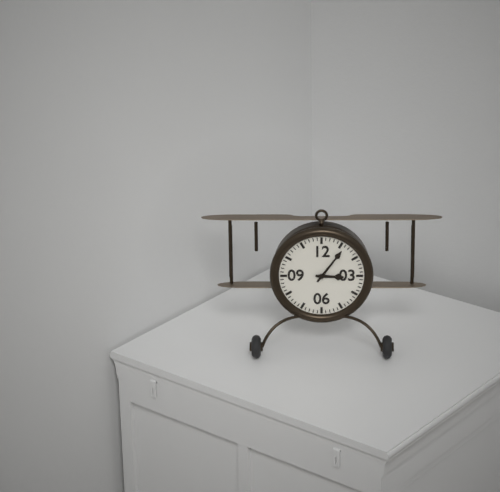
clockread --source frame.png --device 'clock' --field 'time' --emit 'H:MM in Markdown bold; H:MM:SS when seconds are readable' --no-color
**3:06**
